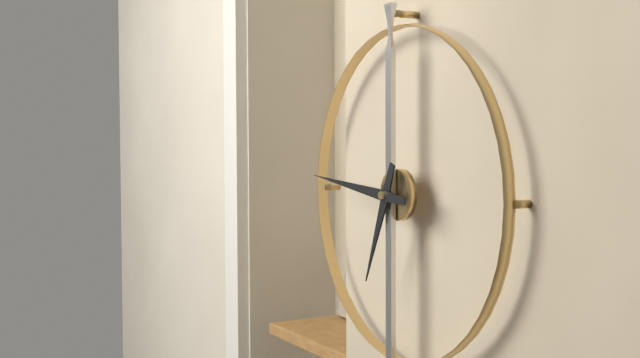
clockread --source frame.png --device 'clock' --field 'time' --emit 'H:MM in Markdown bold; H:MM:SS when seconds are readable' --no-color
**6:46**
